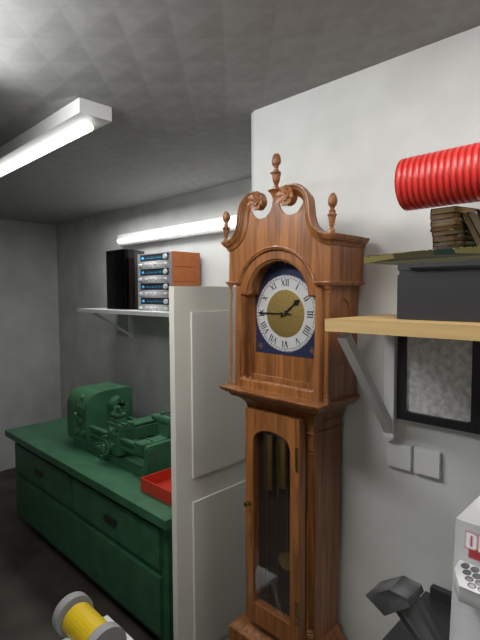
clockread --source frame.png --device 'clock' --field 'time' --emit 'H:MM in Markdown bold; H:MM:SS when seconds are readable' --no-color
**1:45**
